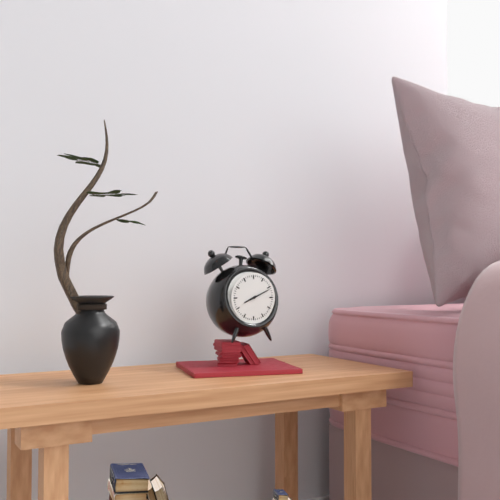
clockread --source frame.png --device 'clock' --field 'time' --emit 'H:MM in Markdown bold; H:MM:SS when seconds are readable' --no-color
**8:11**
